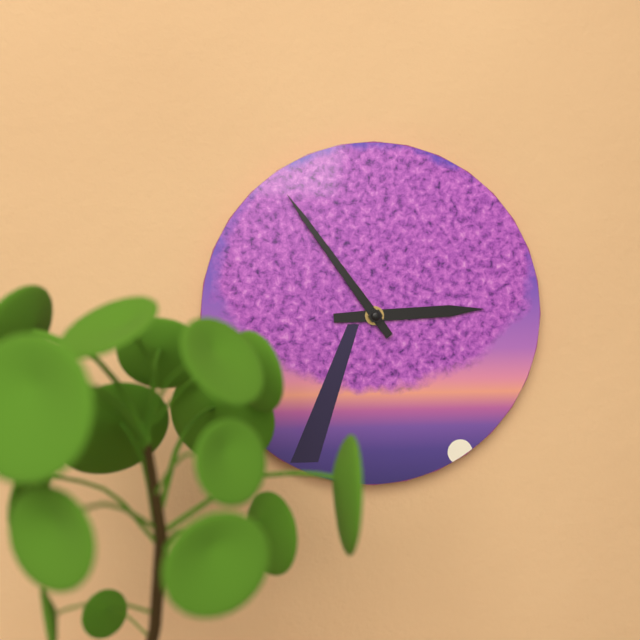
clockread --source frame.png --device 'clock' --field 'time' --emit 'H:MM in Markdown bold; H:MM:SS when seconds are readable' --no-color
**2:54**
